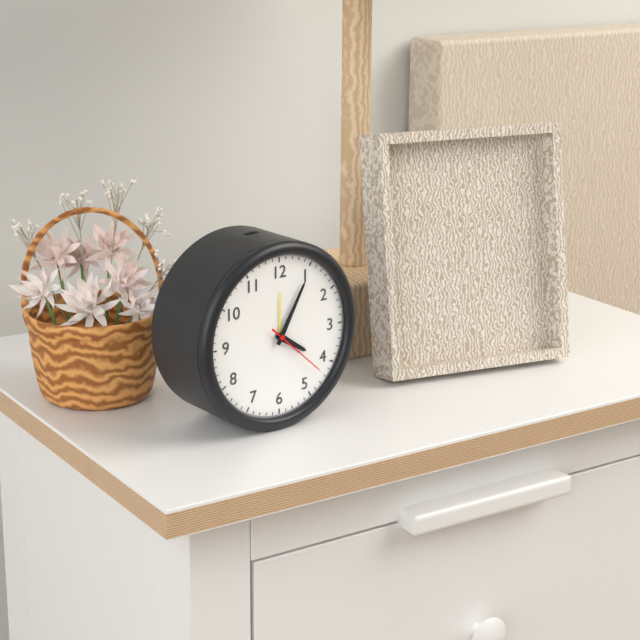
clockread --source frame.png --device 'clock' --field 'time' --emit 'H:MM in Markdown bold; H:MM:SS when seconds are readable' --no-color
**4:05:22**
